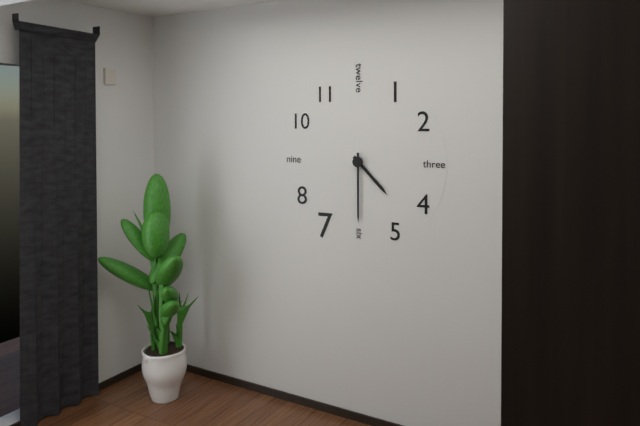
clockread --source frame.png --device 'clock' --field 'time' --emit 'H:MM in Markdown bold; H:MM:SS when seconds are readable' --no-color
**4:30**
